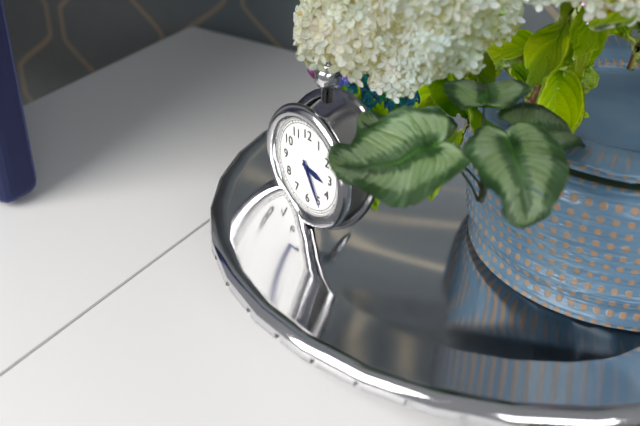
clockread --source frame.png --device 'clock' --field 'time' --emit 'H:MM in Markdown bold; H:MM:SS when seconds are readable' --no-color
**3:25**
